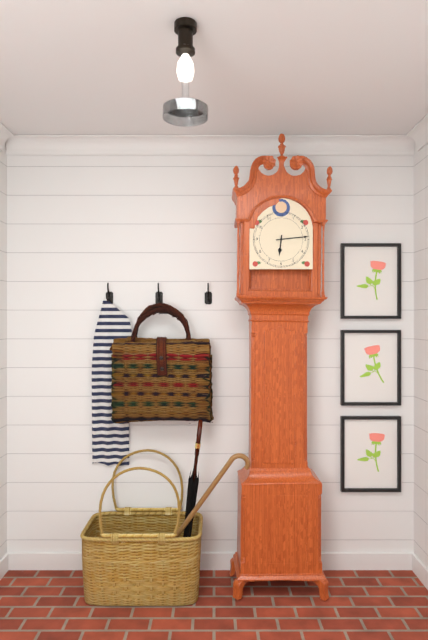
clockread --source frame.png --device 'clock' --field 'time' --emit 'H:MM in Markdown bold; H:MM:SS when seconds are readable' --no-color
**6:14**
